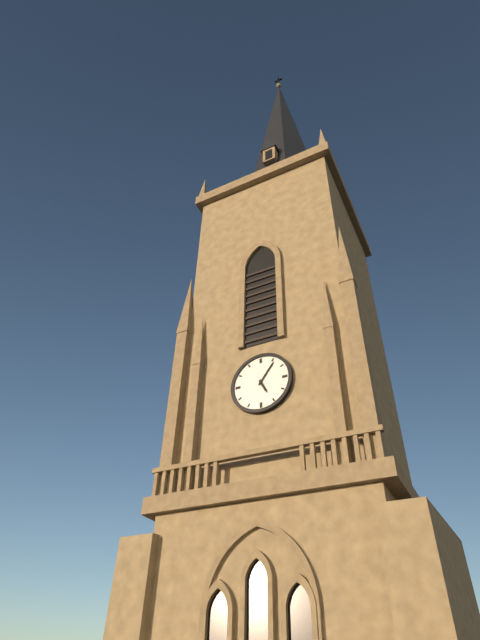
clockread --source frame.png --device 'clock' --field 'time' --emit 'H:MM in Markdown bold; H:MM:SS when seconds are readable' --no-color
**5:06**
